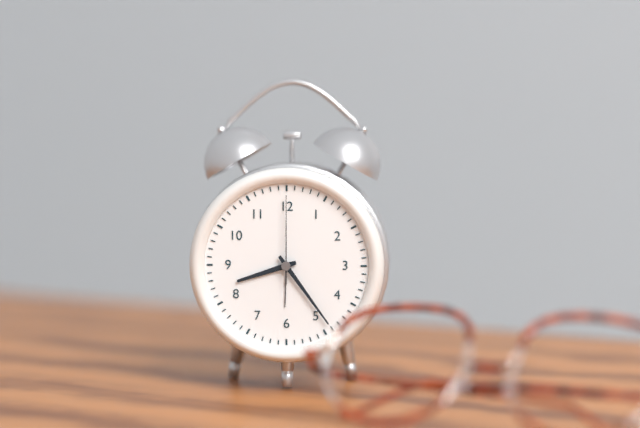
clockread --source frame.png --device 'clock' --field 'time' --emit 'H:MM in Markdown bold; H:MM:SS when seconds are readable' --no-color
**8:24:00**
